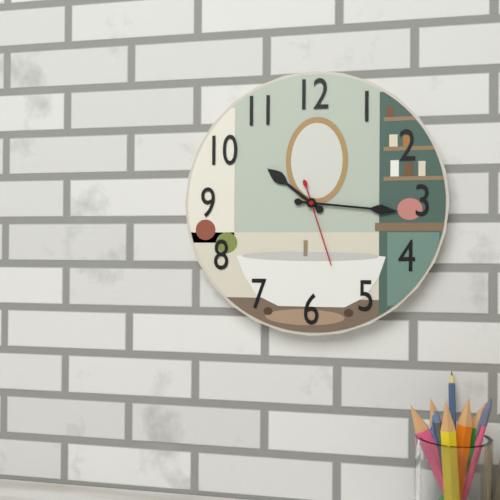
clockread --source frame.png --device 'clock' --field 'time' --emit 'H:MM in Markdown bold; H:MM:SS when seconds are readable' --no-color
**10:16:27**
